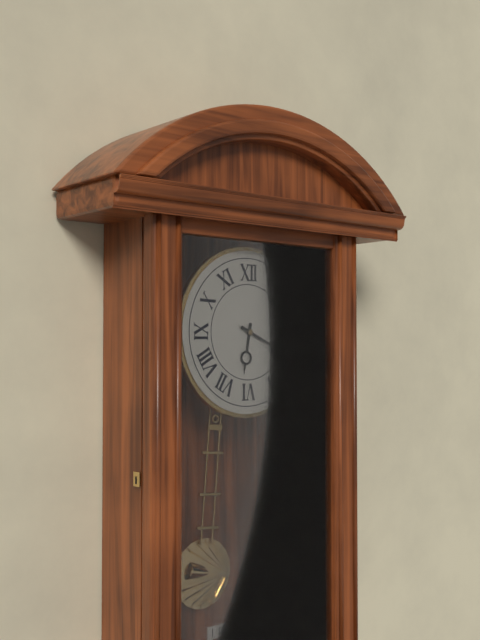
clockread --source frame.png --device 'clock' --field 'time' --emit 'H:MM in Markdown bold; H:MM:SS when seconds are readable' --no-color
**6:19**
